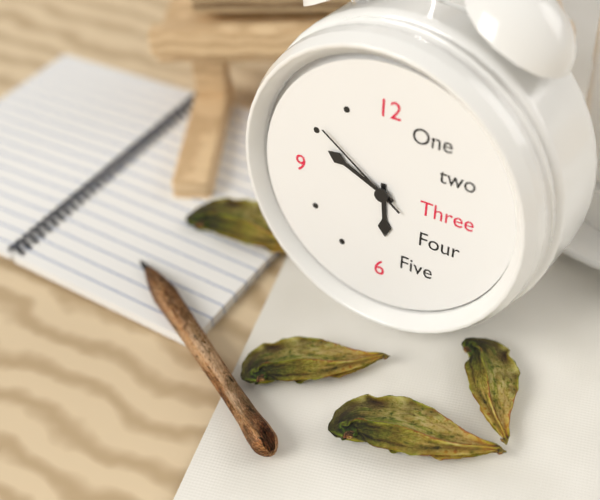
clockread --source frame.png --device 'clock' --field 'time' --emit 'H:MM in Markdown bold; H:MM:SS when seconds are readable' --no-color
**5:49:51**
